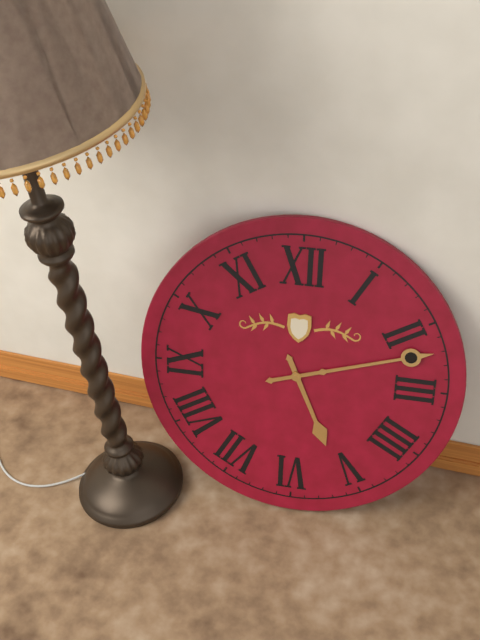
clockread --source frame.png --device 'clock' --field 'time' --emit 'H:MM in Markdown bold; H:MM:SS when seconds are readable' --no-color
**5:12**
